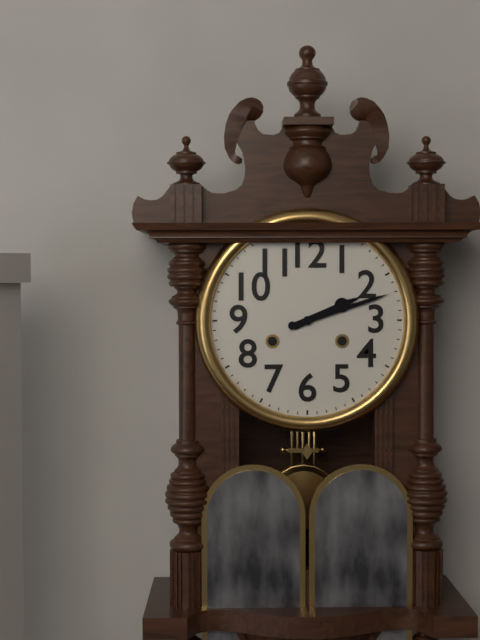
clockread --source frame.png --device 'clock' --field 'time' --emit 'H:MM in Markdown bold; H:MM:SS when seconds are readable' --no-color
**2:12**
